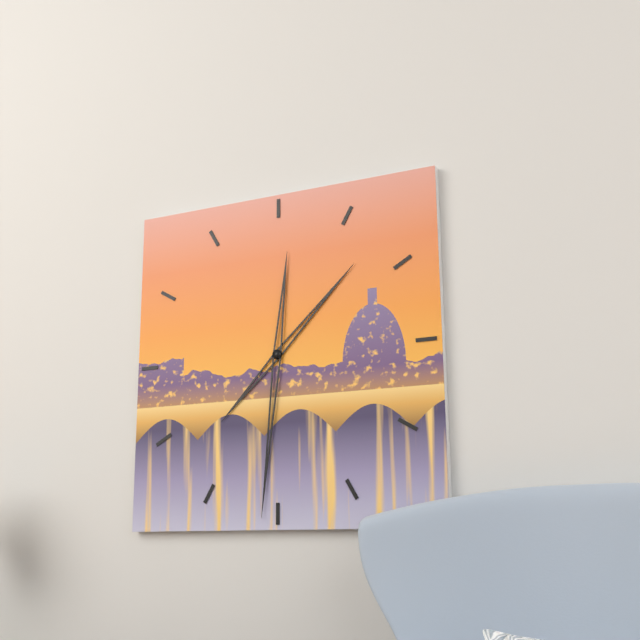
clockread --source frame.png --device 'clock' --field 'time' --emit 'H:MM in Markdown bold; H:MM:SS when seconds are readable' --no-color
**1:31**
